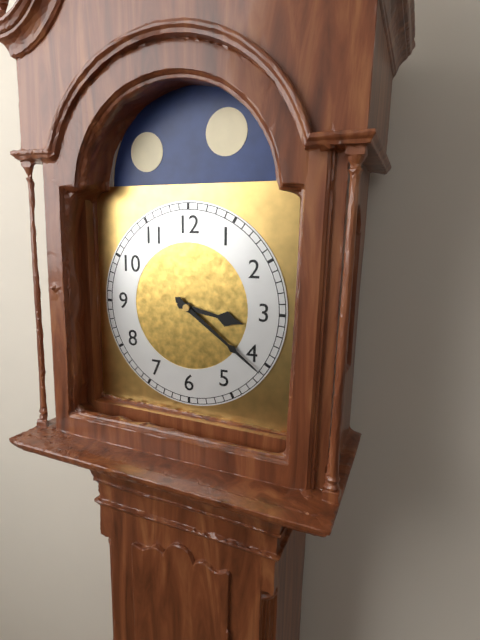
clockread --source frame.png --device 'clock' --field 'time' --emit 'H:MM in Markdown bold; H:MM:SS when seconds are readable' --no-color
**3:21**
